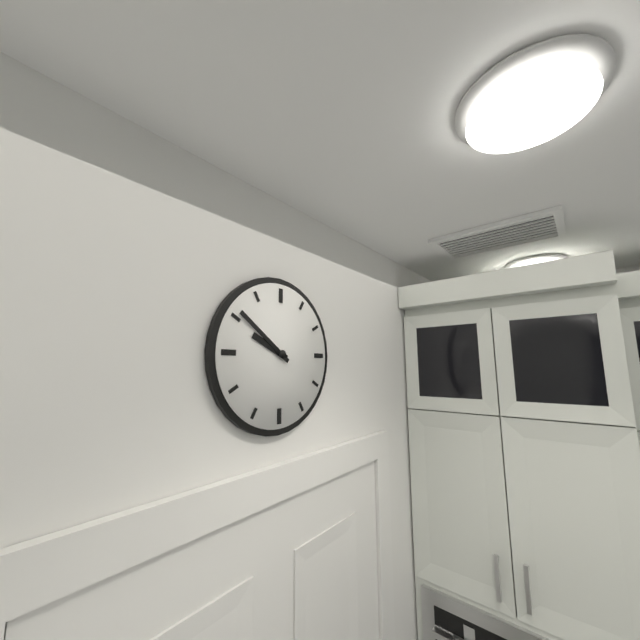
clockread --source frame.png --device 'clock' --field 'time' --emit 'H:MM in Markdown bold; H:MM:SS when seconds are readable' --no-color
**9:51**
